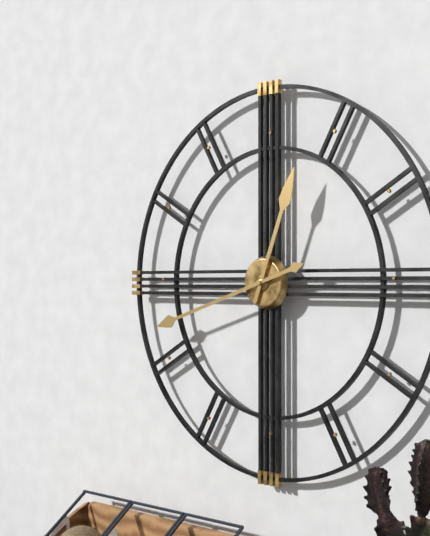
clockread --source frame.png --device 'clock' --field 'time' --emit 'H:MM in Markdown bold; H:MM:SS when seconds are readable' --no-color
**12:42**
